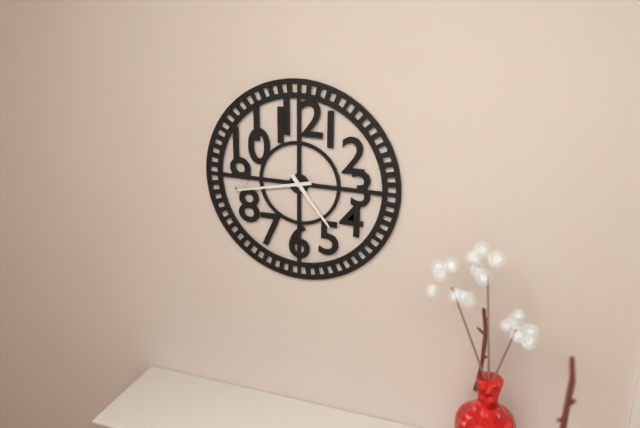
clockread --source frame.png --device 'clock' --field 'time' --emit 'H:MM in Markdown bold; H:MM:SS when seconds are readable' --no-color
**4:43**
